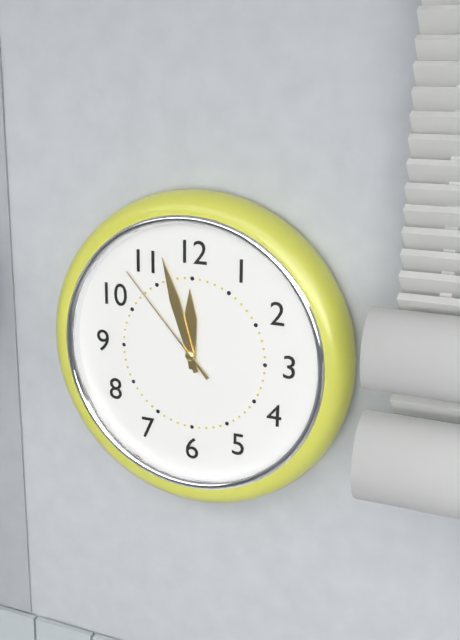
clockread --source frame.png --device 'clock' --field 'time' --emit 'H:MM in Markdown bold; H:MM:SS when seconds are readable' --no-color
**11:57:53**
